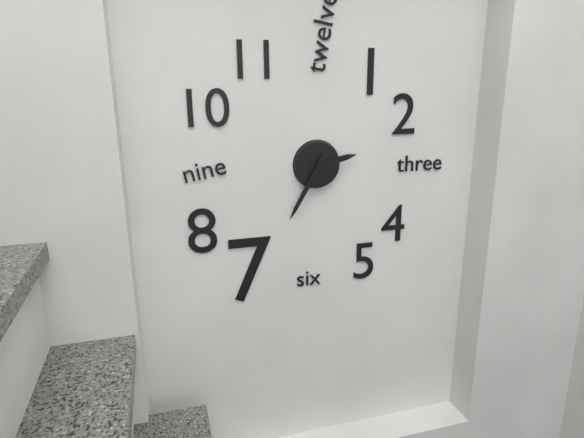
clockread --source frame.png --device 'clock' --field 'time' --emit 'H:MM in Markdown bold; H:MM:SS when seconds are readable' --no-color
**2:35**
